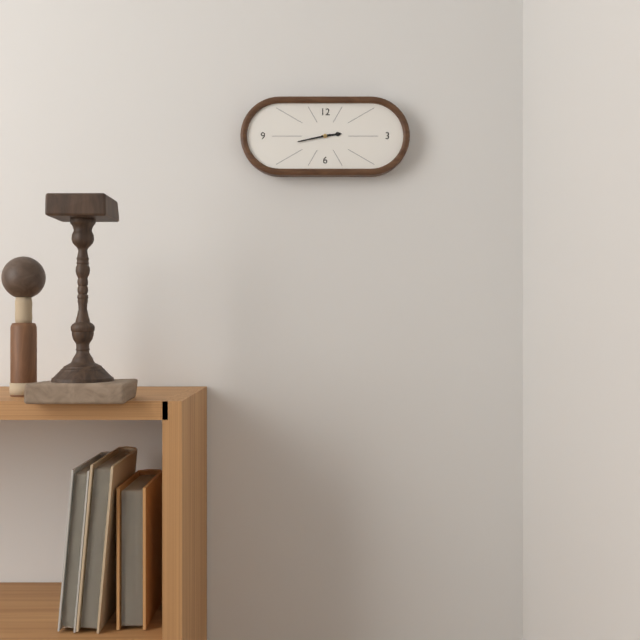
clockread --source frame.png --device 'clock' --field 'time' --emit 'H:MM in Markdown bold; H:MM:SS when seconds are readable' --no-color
**2:43**
